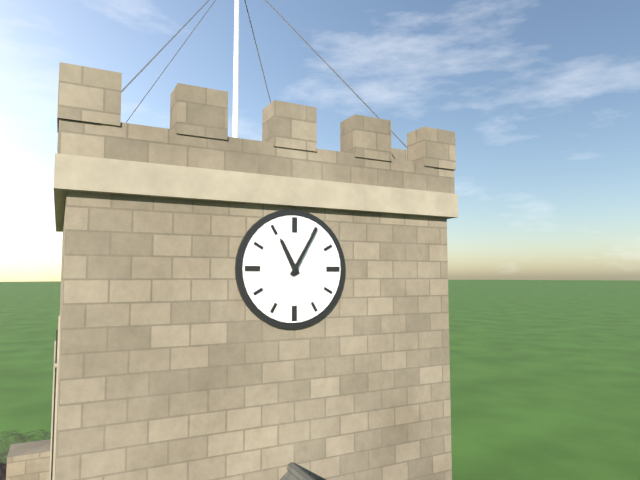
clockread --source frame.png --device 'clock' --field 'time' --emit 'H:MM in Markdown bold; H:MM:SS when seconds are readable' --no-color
**11:05**
